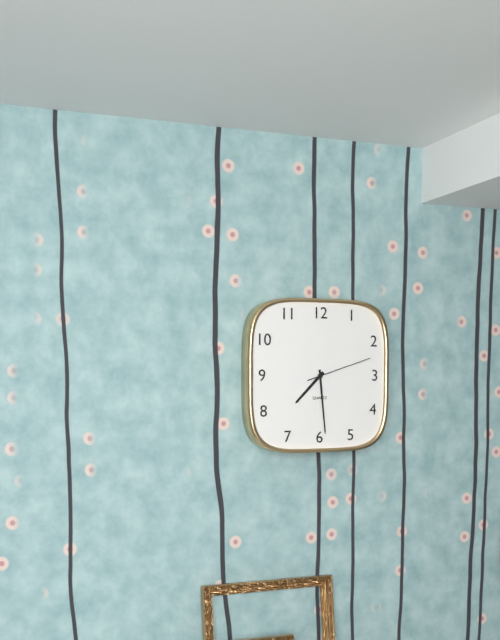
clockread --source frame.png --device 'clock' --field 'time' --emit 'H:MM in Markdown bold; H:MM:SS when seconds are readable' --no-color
**7:29:12**
